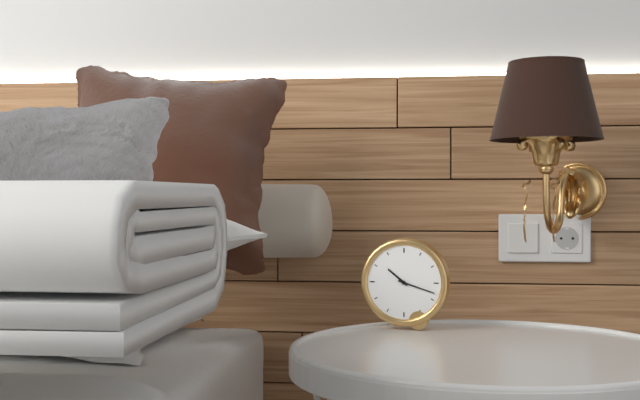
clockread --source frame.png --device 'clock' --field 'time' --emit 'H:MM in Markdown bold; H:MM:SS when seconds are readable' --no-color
**10:18**
